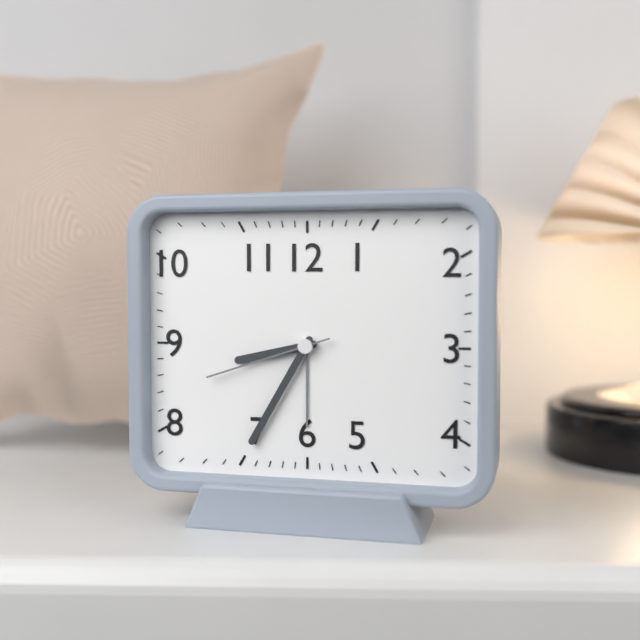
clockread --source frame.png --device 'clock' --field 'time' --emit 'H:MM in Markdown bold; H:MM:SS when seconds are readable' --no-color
**8:35:42**
